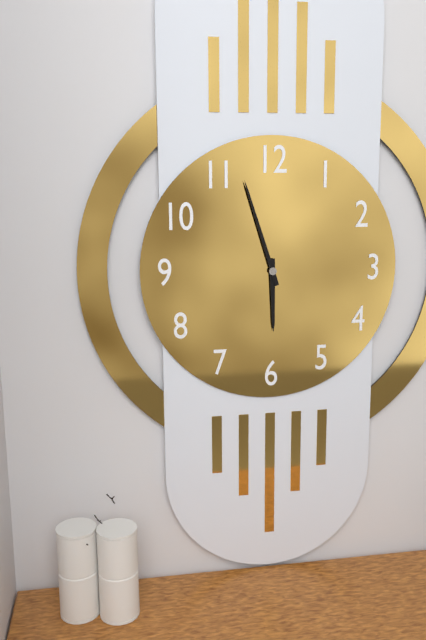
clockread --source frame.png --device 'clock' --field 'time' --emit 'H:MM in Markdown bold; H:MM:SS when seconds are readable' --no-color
**5:57**
